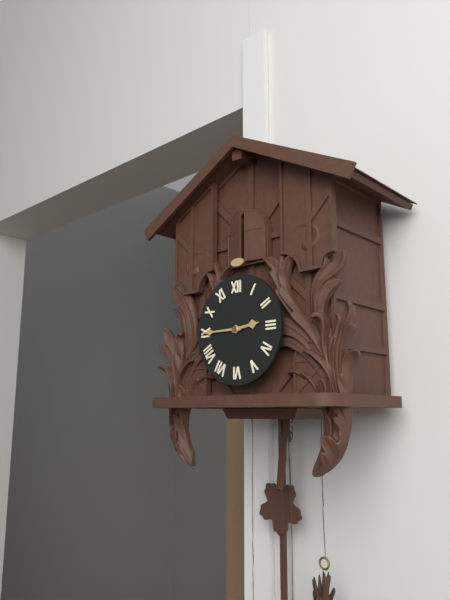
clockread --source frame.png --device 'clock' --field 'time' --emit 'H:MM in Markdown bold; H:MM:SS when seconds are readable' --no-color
**2:45**
